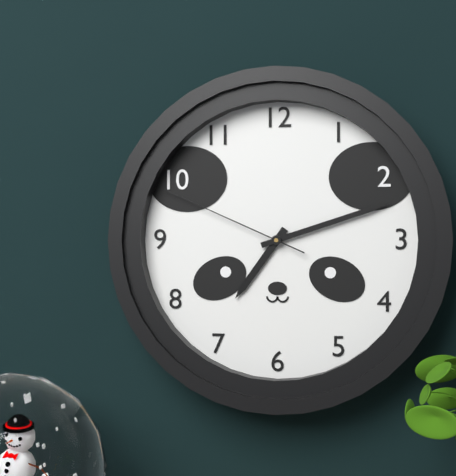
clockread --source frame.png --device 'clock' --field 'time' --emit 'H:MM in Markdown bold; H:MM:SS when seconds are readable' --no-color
**7:12:49**
